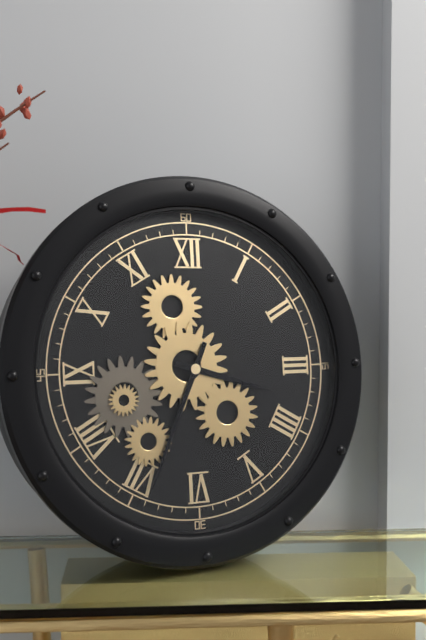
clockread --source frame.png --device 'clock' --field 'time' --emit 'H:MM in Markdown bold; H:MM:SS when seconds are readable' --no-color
**3:34**
